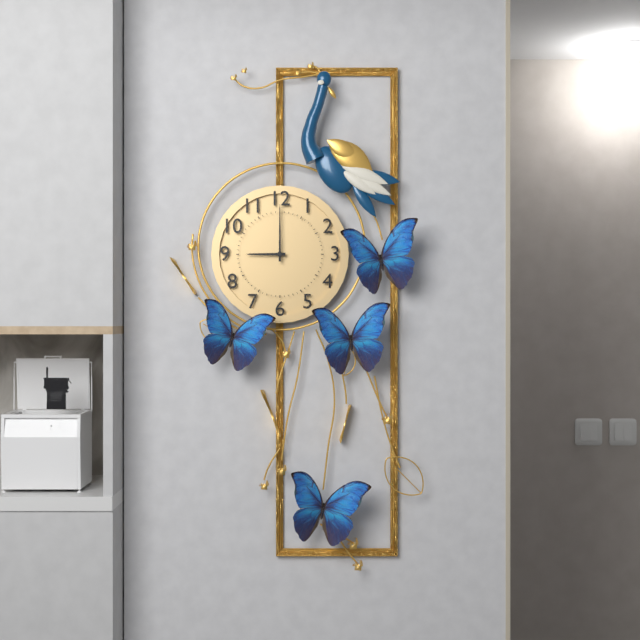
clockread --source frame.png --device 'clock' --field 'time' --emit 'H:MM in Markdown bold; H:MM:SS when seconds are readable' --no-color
**9:00**
